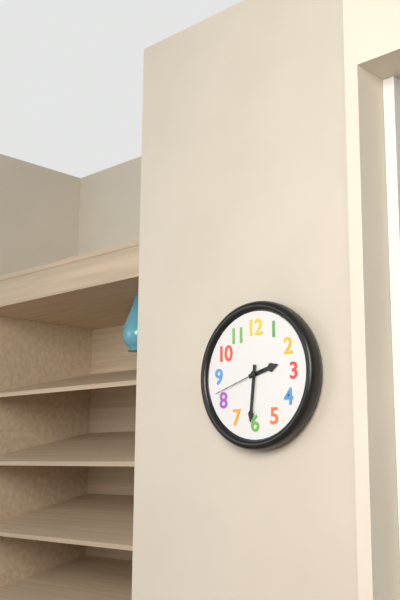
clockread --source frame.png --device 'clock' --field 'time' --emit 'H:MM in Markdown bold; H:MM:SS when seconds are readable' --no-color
**2:31:42**
